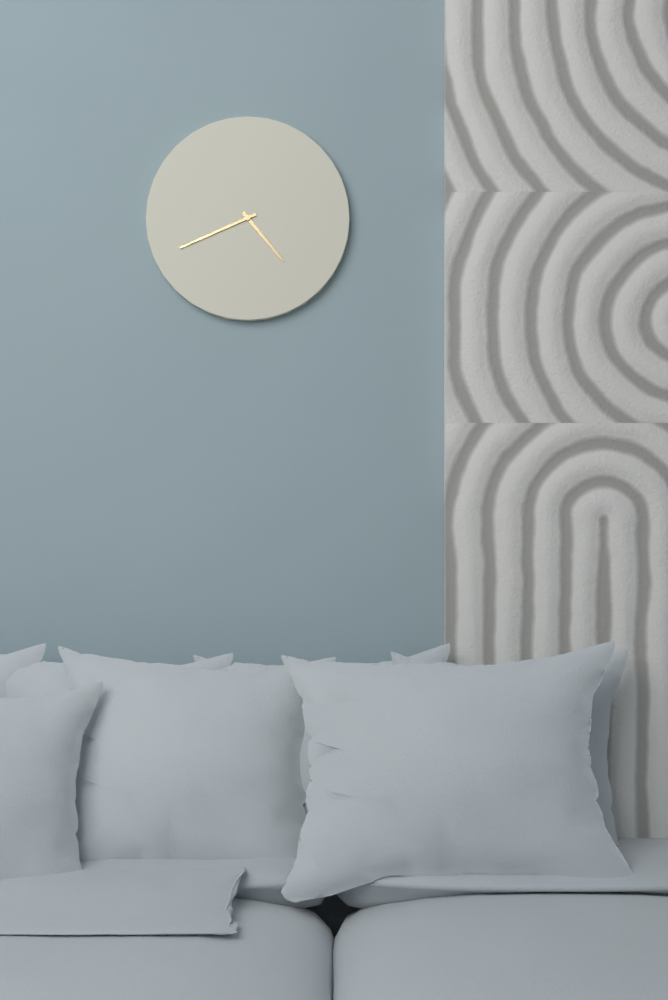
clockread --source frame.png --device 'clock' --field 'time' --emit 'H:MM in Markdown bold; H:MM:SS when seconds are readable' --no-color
**4:41**
